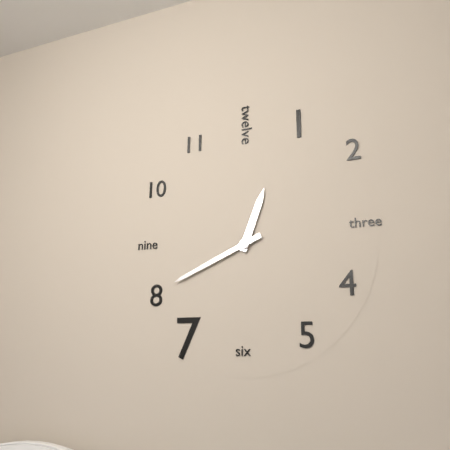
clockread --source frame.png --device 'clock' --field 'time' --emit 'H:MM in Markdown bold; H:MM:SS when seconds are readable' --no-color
**12:41**
